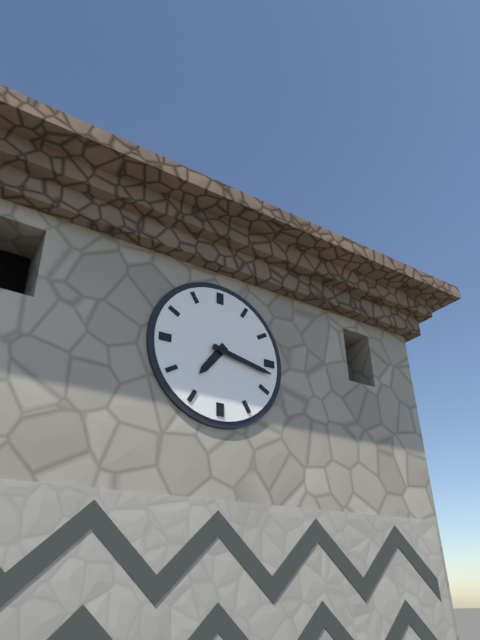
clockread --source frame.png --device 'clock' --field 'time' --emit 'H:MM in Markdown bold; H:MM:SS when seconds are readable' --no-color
**7:17**
